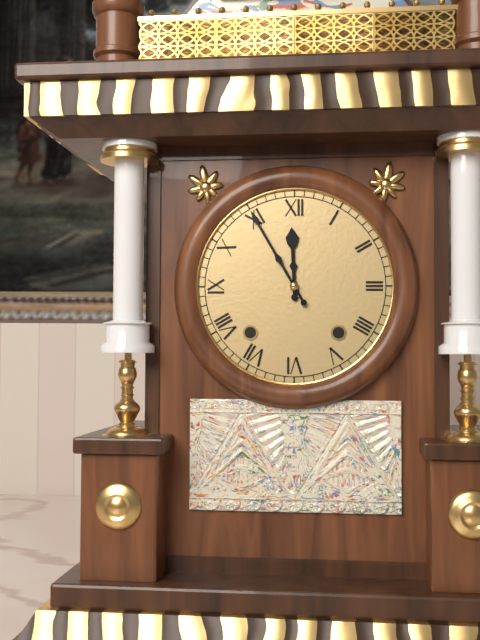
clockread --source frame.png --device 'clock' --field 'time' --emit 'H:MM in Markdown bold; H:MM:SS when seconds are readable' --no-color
**11:55**
